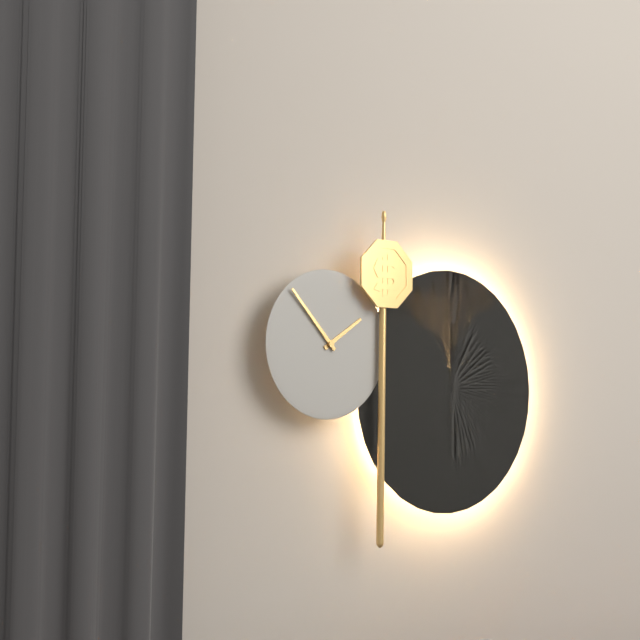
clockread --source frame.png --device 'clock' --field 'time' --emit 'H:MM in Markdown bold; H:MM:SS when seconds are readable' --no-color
**1:53**
